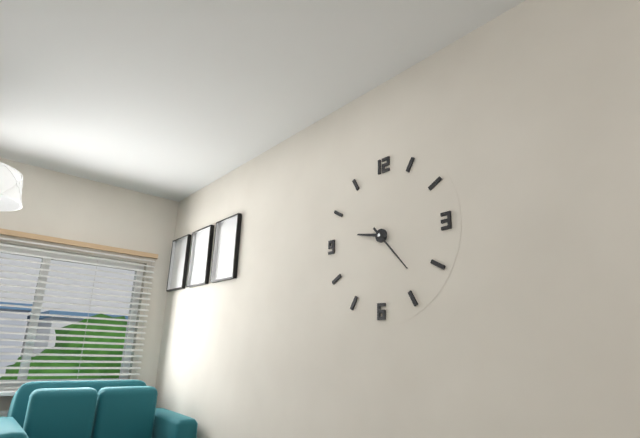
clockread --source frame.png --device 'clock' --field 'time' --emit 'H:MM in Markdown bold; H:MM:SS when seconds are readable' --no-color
**9:23**
